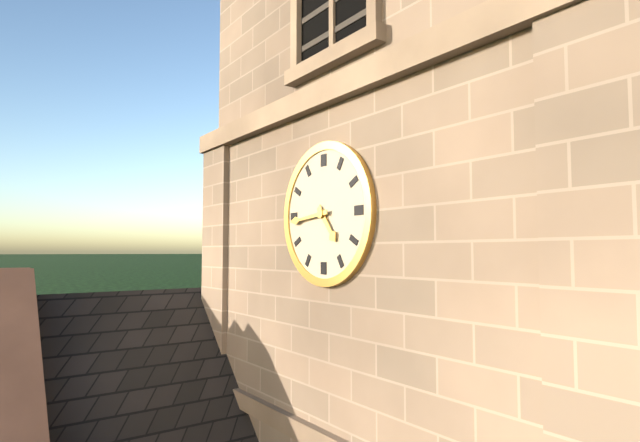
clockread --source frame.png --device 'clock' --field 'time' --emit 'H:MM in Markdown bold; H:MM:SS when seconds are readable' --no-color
**4:44**
